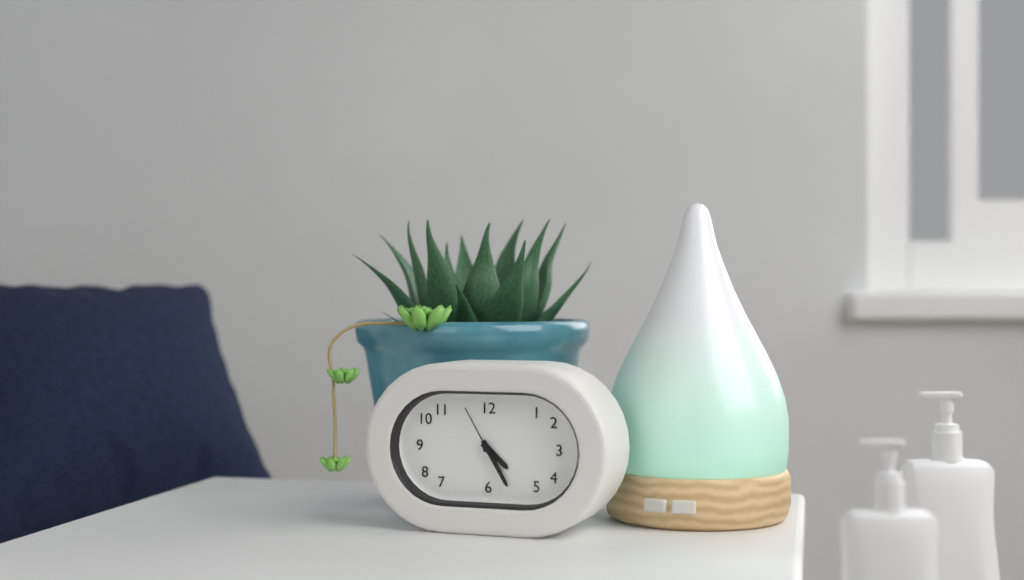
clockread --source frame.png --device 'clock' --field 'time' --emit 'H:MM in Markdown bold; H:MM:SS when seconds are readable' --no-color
**4:25:55**
